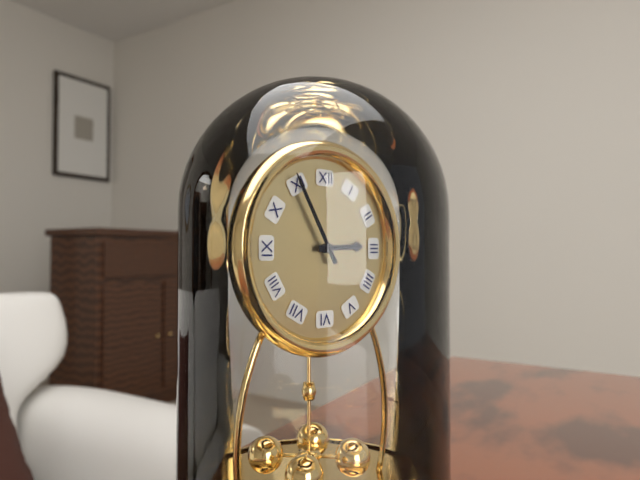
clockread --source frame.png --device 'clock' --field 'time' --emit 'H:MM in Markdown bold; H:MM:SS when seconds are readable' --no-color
**2:55**
